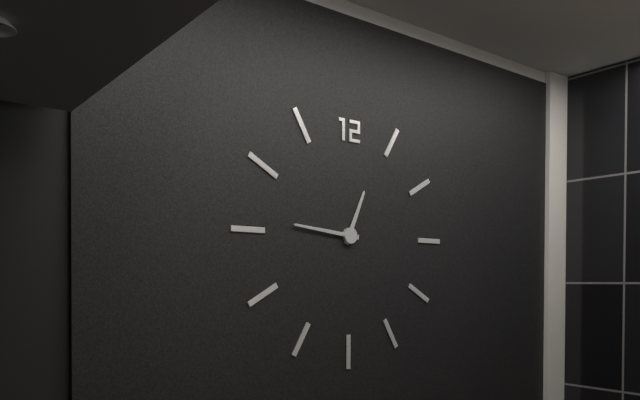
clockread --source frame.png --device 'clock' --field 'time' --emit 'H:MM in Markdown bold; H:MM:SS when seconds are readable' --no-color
**12:46**
